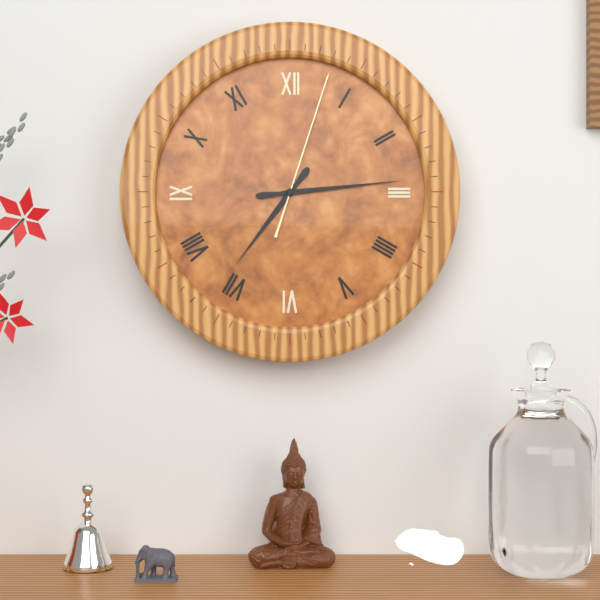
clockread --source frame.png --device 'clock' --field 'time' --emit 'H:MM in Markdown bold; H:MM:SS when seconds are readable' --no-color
**7:14:03**
